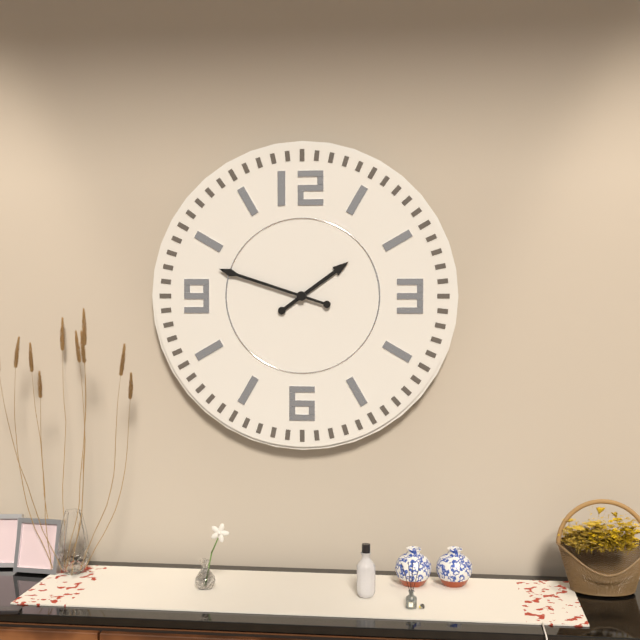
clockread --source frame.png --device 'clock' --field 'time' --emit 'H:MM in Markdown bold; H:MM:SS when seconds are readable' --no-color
**1:48**
